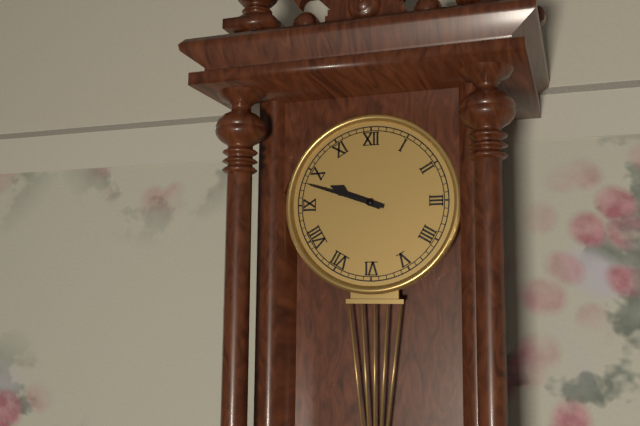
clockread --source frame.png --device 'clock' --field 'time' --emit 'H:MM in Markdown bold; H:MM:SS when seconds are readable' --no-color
**9:48**
